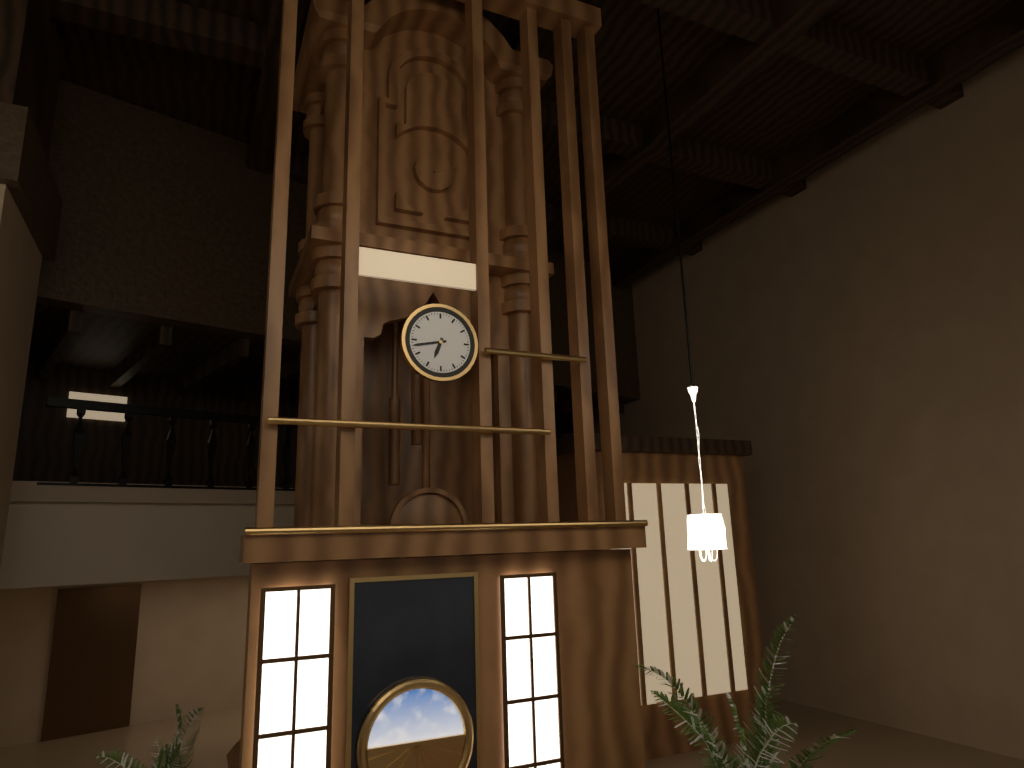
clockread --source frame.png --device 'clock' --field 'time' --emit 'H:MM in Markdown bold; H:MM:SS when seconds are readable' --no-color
**6:43**
